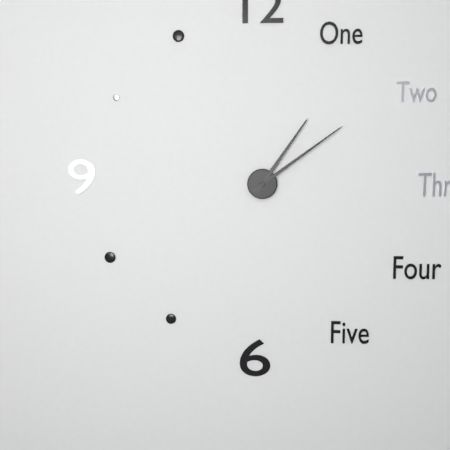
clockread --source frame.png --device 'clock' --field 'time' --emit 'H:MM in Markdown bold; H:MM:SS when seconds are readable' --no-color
**1:09**
